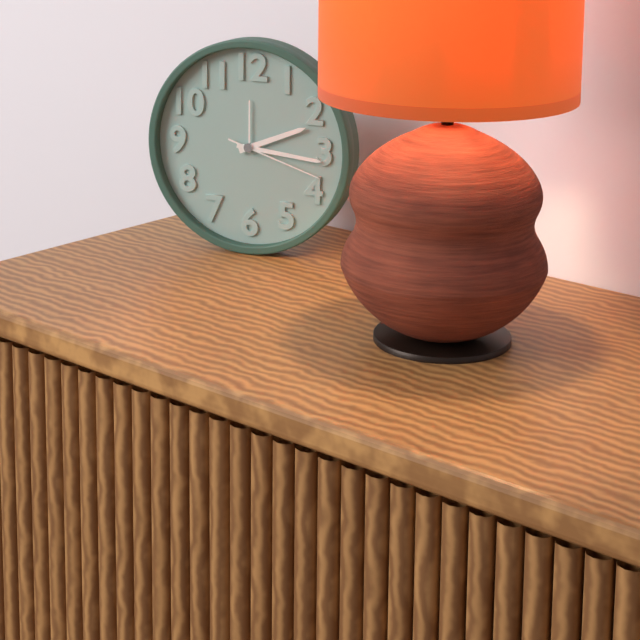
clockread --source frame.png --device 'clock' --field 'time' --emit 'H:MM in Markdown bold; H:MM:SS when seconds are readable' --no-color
**2:16:18**
